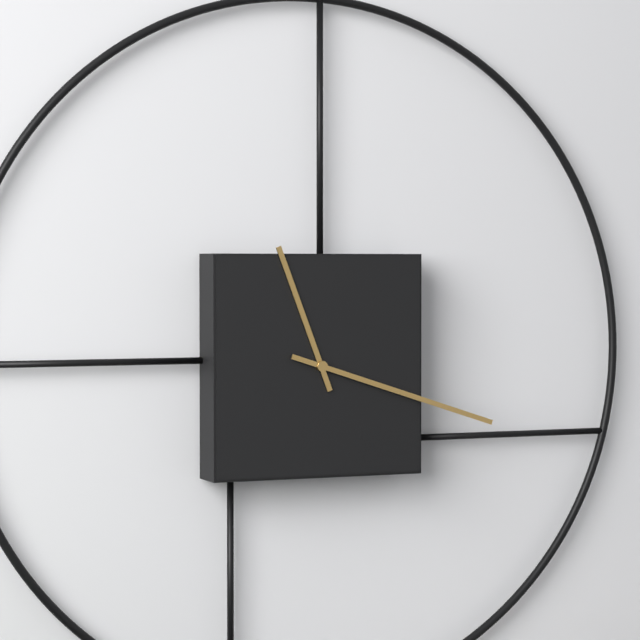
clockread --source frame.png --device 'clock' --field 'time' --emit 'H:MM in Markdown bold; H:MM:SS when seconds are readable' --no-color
**11:18**
